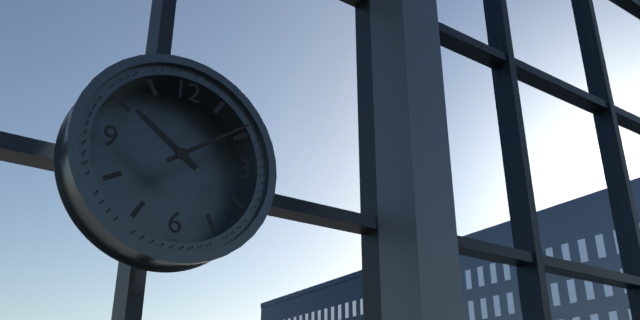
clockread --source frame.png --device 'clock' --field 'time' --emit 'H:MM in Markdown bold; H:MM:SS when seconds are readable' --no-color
**10:09**
